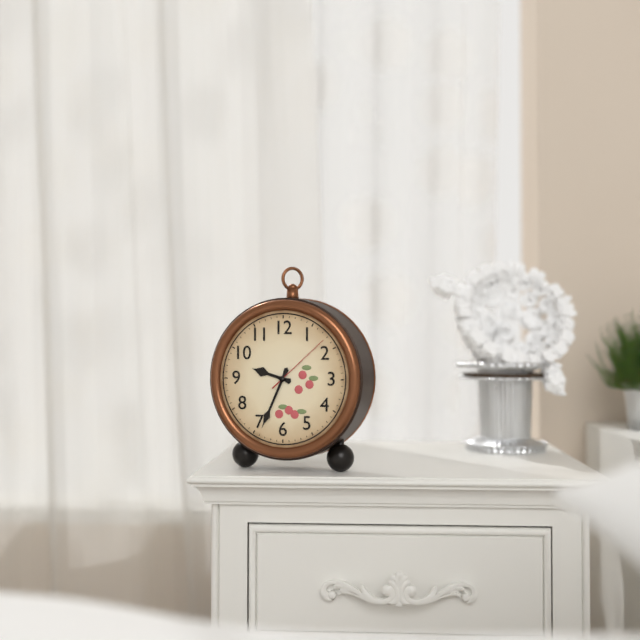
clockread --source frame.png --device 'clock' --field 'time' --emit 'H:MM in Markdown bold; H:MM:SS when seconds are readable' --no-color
**9:34:08**
